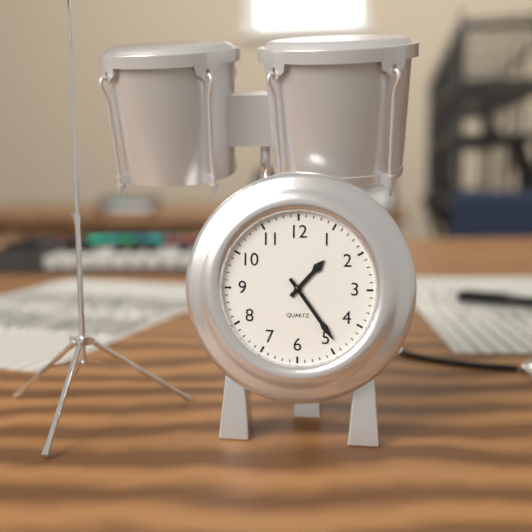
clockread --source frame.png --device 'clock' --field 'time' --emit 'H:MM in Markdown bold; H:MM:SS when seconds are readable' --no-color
**1:24**
